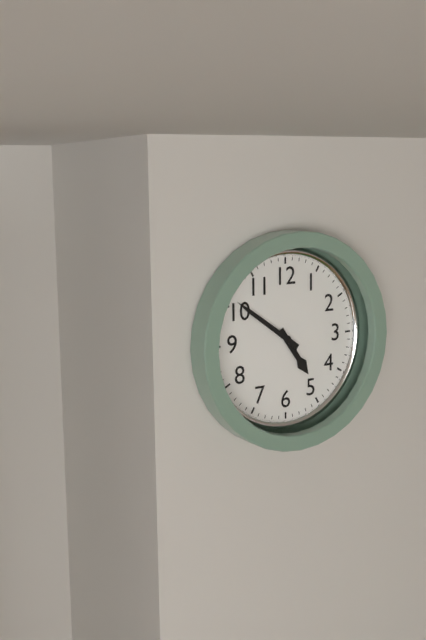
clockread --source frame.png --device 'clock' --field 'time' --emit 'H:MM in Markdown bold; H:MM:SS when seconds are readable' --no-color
**4:51**
